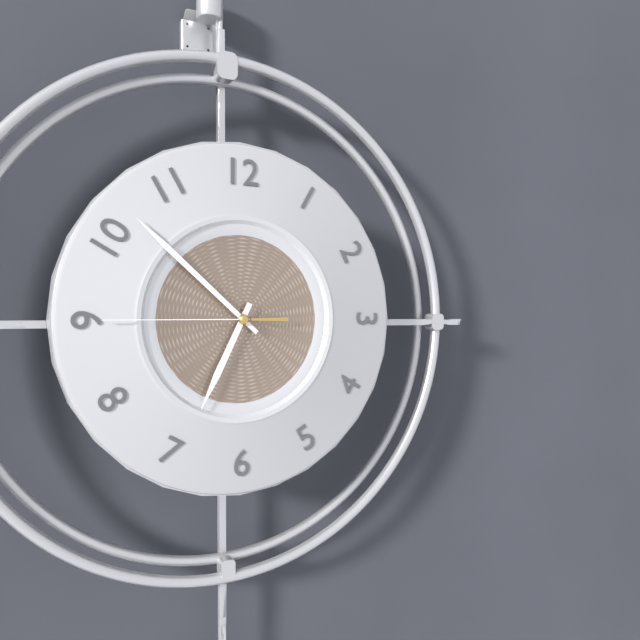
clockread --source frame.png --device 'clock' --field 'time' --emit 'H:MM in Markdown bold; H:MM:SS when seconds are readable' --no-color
**6:52:45**
